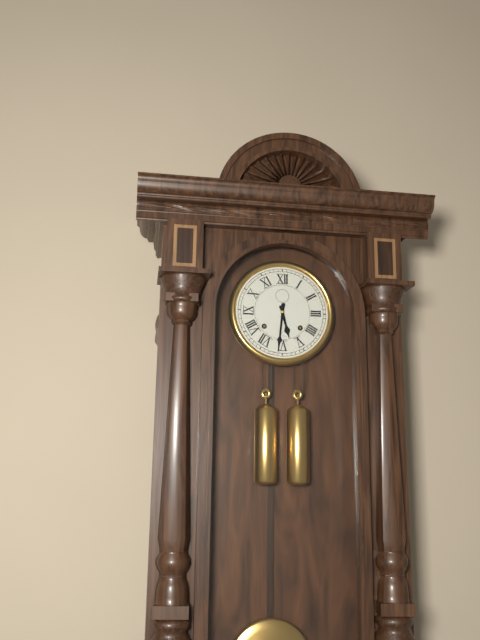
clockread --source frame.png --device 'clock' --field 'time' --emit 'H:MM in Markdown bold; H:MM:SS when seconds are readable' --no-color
**5:31**
